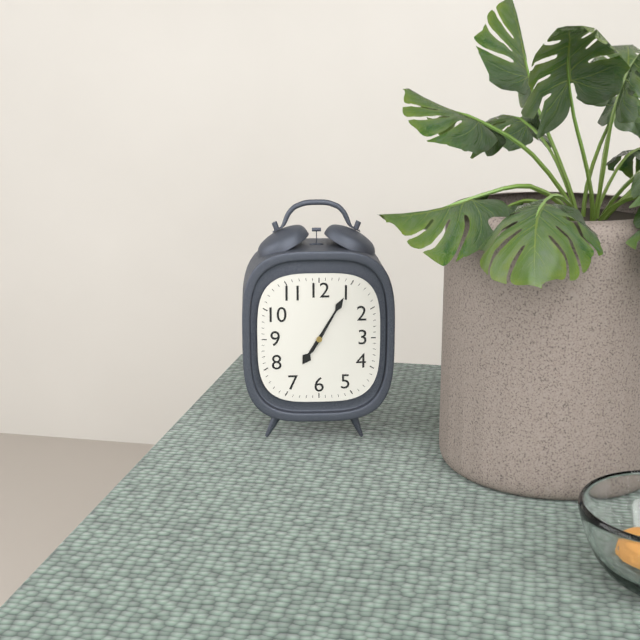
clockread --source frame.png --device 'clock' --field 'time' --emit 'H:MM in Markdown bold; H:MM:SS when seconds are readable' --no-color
**7:05**
